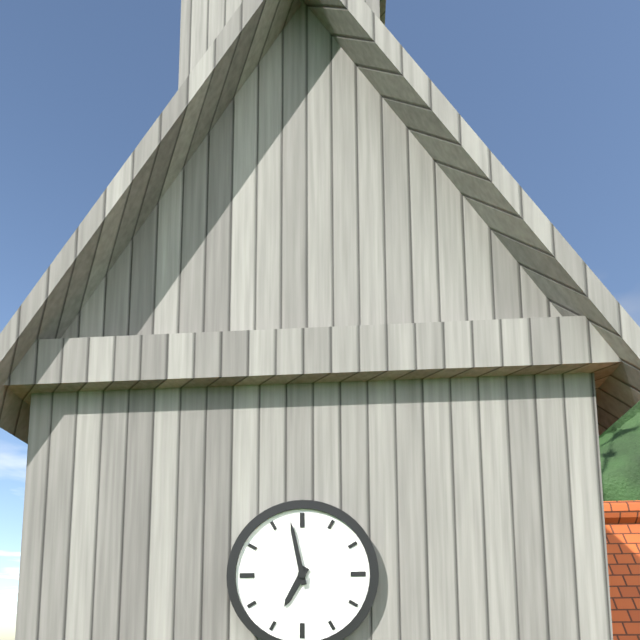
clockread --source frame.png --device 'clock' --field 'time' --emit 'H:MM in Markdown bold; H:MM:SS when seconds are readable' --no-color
**6:58**
